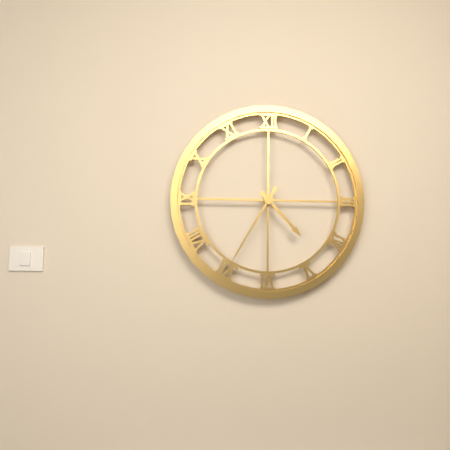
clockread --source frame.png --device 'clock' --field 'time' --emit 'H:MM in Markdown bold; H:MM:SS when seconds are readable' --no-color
**4:35**
